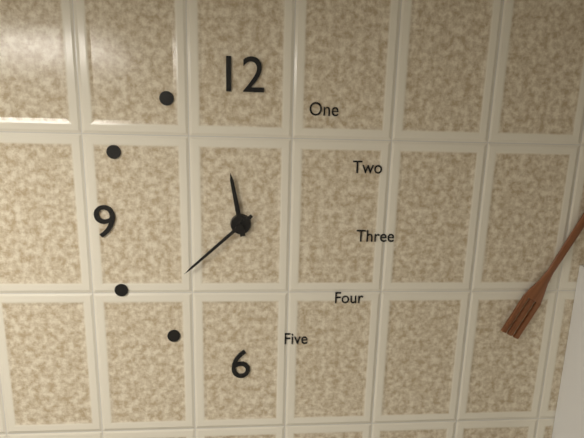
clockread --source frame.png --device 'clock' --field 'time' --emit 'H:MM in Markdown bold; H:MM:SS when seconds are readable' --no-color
**11:38**
